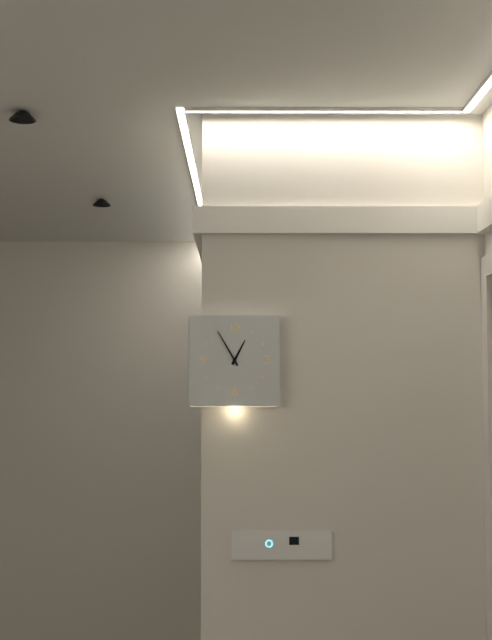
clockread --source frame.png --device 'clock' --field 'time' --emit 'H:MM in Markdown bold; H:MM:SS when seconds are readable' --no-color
**12:55**
